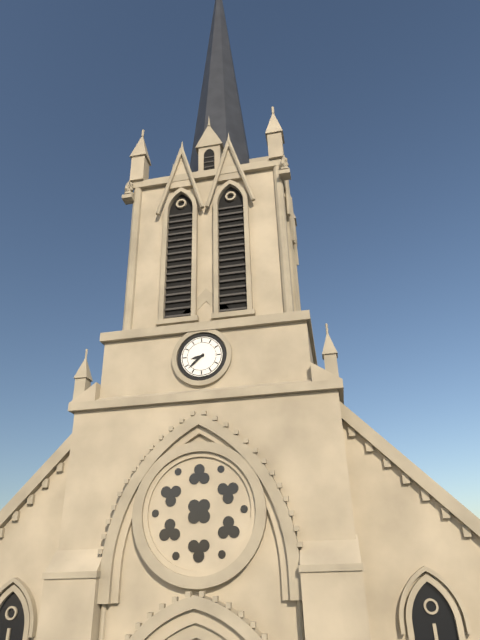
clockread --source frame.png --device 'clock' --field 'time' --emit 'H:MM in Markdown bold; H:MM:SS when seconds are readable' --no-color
**8:38**
